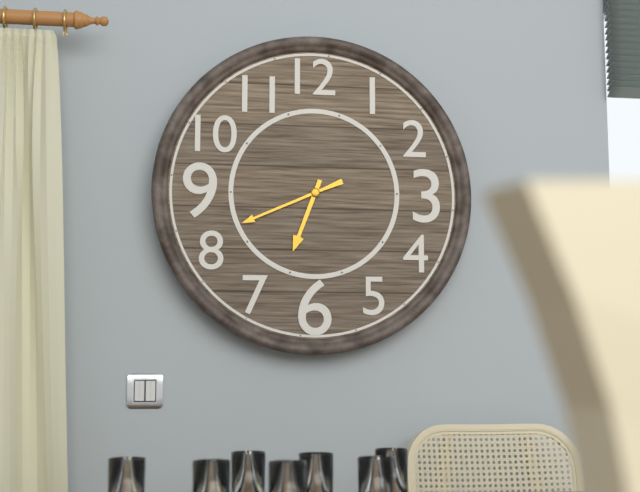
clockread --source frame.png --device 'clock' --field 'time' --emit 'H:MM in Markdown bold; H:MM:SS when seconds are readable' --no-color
**6:41**
